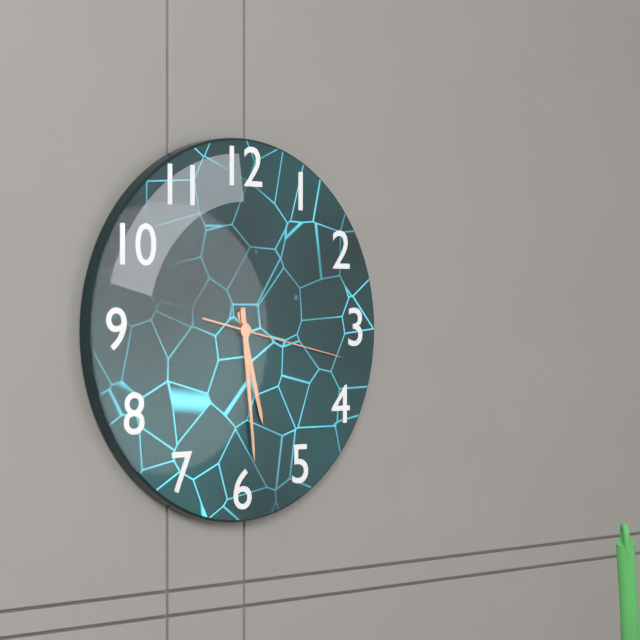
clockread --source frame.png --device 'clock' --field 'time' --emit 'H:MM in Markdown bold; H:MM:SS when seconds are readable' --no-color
**5:29:17**
